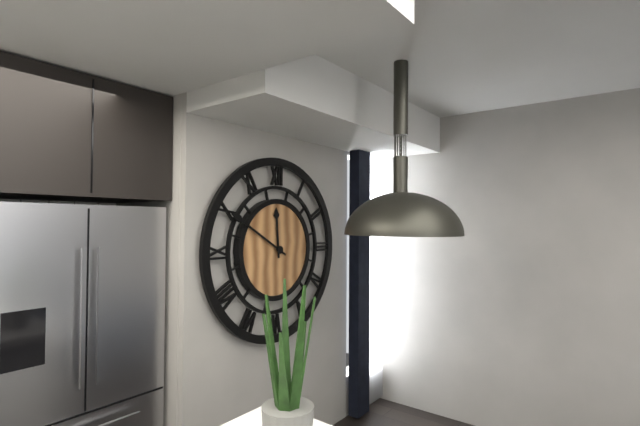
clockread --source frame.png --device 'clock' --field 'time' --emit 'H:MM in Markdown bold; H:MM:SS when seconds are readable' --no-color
**11:50**
